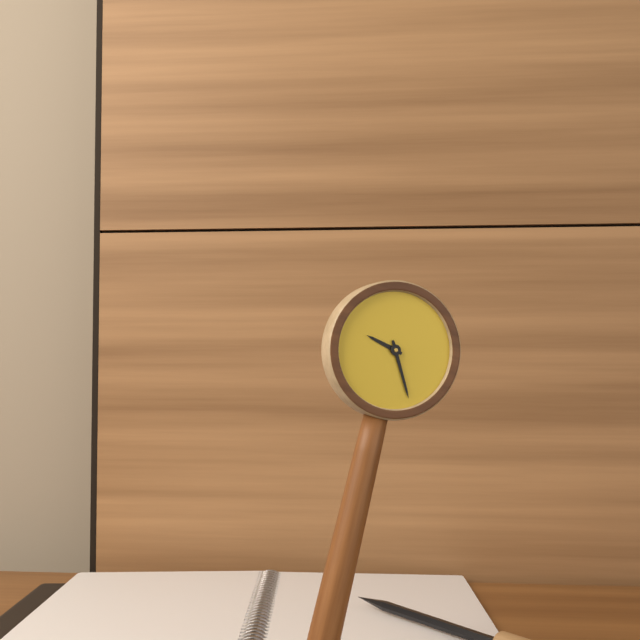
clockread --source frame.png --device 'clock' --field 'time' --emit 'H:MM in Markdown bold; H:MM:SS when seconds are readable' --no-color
**9:25**
